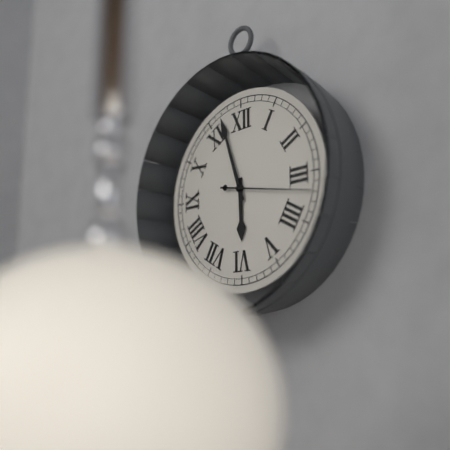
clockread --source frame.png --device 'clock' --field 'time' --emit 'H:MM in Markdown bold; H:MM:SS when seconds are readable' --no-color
**5:57:17**
